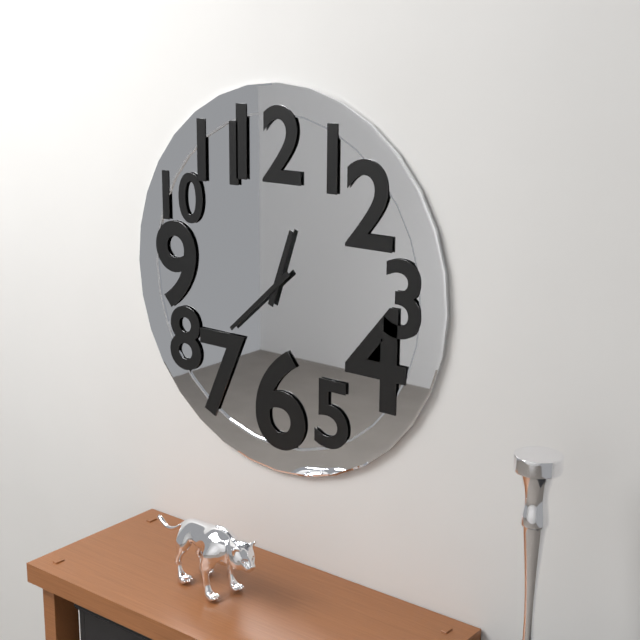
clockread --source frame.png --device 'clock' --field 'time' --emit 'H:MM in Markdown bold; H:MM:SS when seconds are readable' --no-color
**12:38**
